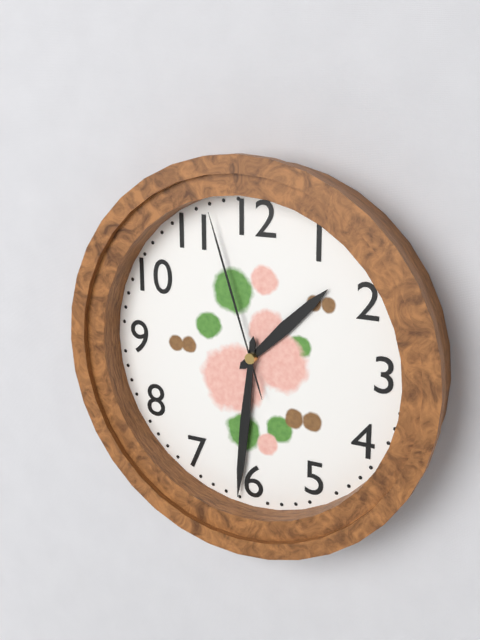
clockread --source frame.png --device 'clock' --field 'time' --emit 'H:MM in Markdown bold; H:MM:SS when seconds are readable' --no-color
**1:31:57**
